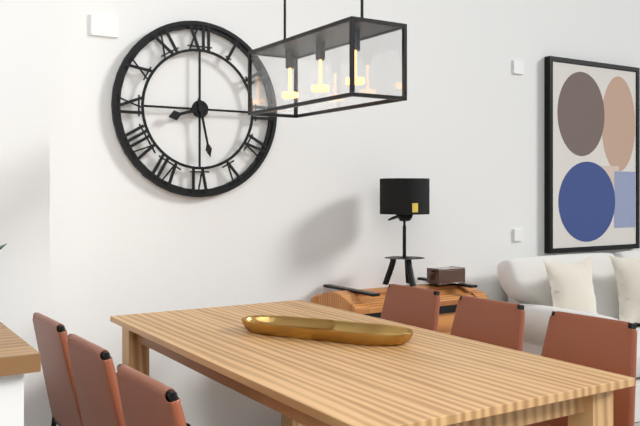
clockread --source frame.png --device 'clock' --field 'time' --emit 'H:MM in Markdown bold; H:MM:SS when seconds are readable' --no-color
**8:28**
